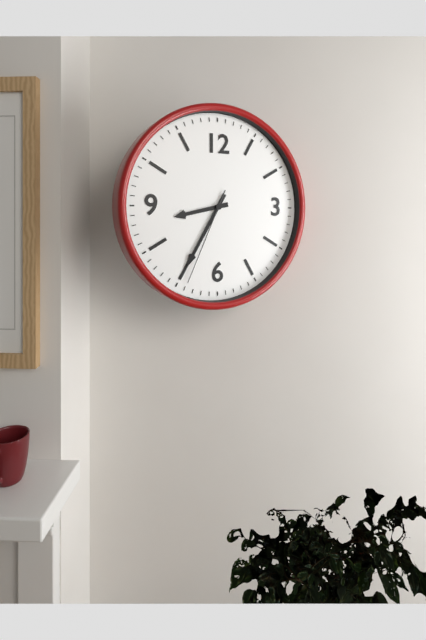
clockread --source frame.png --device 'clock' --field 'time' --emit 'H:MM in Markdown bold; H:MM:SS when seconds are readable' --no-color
**8:35:34**
